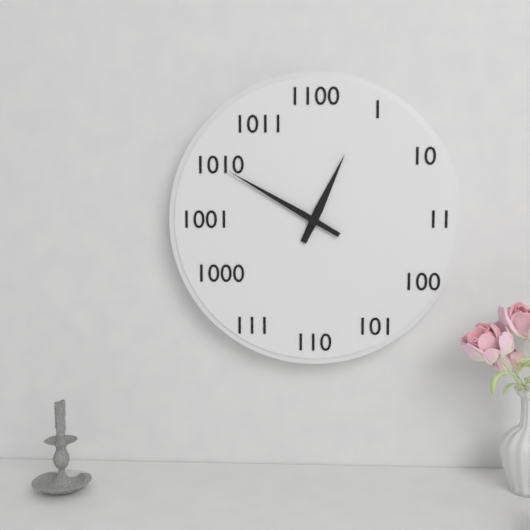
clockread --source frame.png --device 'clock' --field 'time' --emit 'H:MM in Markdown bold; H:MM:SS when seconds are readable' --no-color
**12:50**
